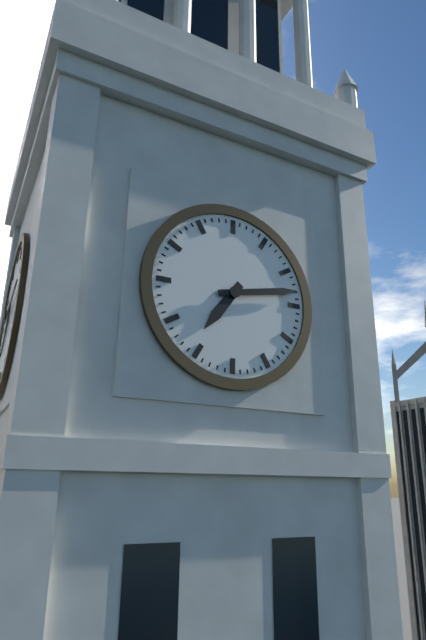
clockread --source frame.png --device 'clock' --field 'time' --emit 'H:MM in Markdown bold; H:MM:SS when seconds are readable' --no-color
**7:13**
